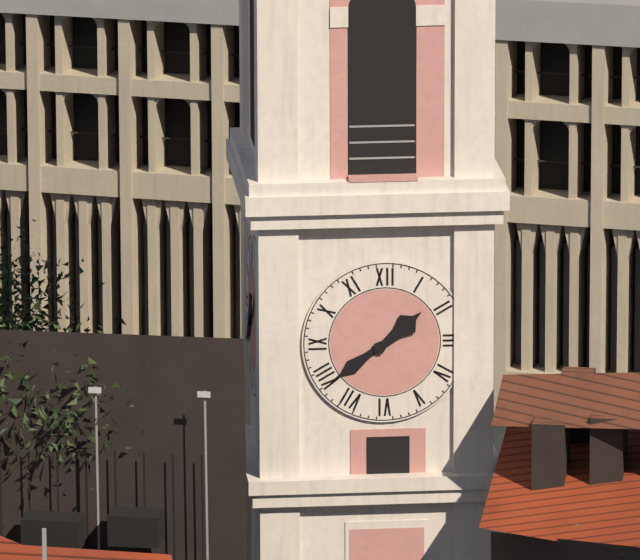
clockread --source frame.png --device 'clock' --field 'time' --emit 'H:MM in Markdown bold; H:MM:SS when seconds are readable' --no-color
**1:39**
